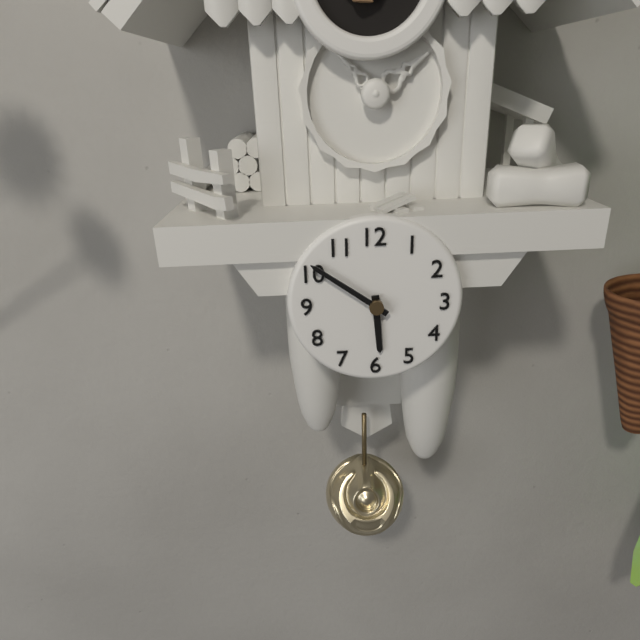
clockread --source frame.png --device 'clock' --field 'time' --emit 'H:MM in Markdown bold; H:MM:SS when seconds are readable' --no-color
**5:51**
